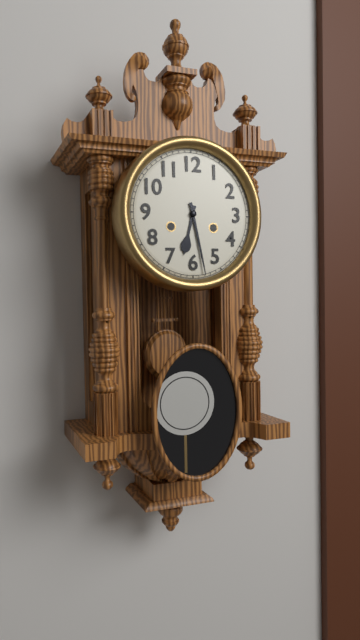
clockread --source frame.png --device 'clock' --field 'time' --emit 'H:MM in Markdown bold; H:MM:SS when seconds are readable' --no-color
**6:28**
